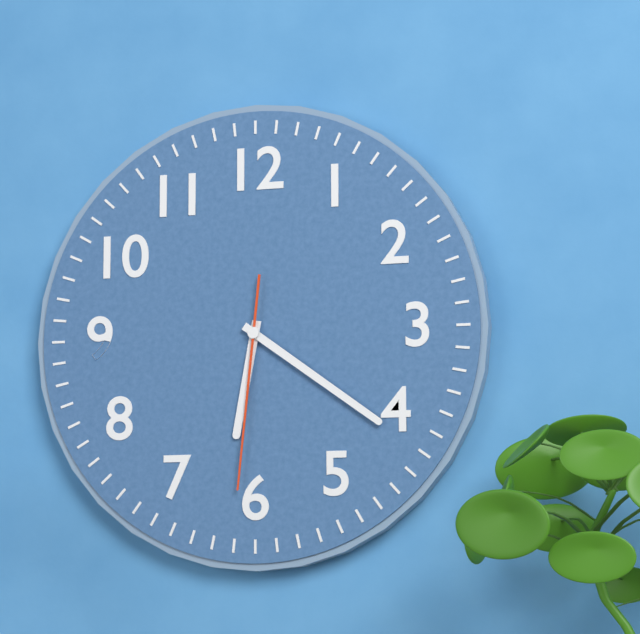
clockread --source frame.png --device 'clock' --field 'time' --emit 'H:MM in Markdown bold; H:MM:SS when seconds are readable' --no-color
**6:21:31**
